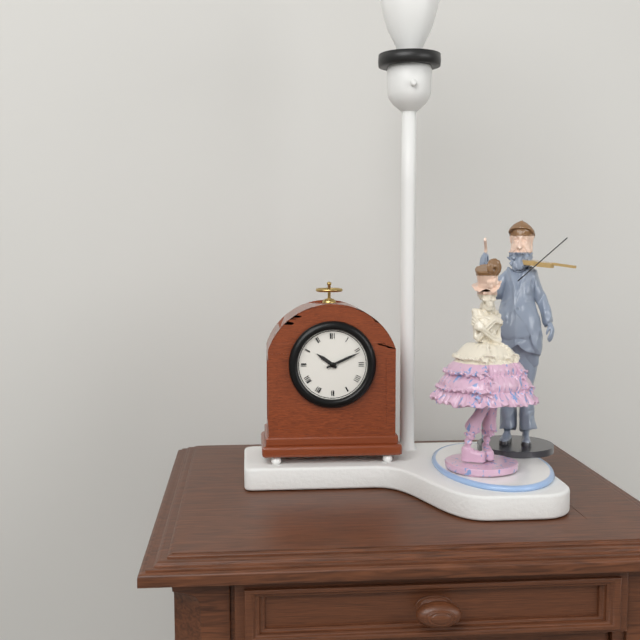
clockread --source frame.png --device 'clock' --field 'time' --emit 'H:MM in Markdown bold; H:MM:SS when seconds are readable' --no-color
**10:11**
